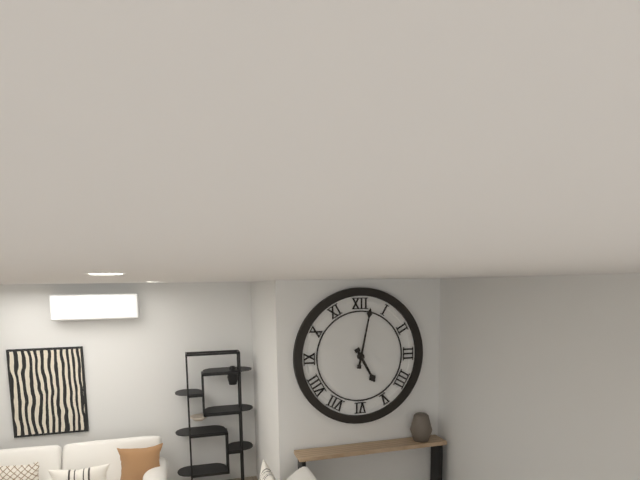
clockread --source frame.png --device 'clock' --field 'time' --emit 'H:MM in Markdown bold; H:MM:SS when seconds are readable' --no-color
**5:02**
